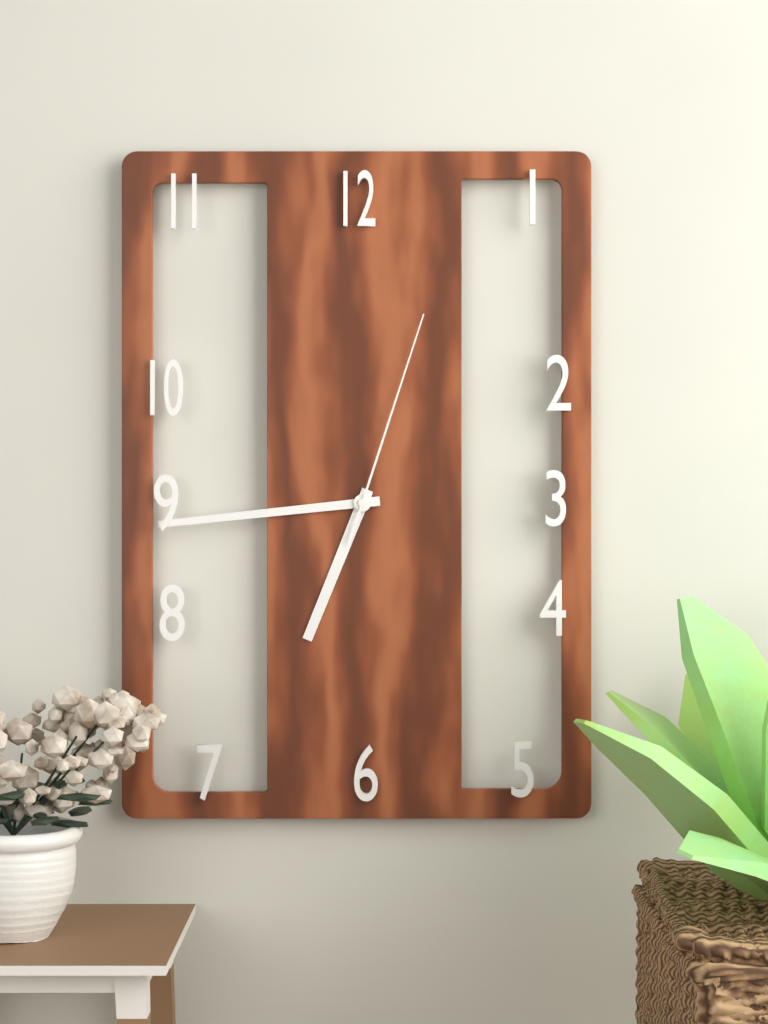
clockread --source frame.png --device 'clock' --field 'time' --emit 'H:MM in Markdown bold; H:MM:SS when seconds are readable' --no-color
**6:44:03**
